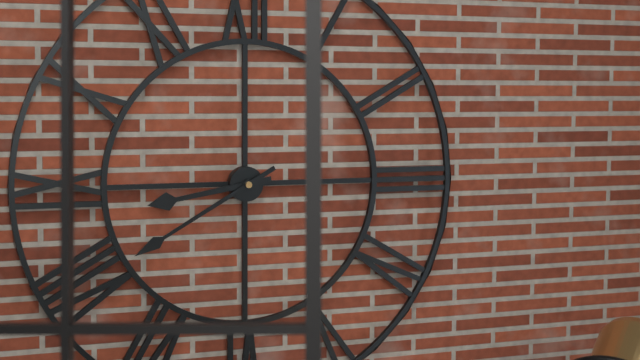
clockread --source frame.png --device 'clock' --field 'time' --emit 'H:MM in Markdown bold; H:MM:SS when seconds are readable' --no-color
**8:40**
